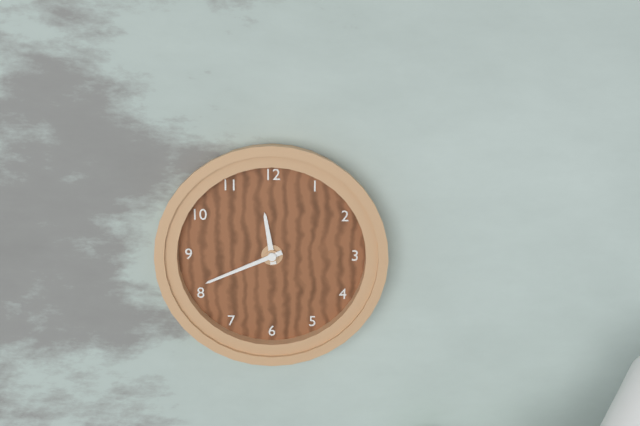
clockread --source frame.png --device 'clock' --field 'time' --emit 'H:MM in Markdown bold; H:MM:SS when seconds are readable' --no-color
**11:41**
